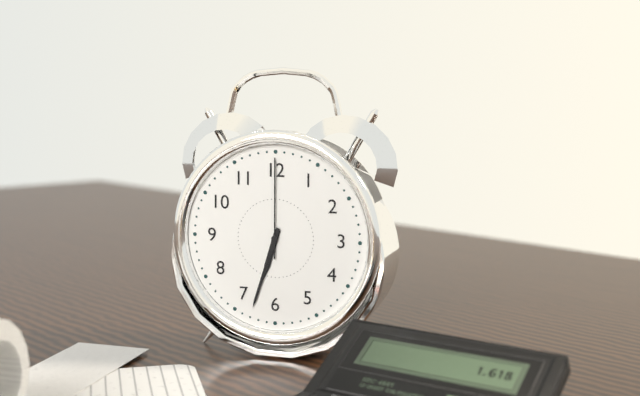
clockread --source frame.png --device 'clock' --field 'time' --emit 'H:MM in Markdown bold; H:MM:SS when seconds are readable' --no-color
**6:33:00**
